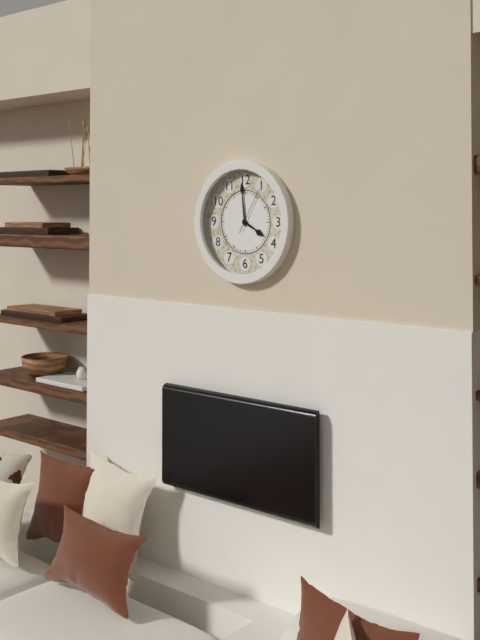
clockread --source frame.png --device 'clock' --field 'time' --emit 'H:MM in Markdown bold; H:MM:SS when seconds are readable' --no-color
**3:59**
